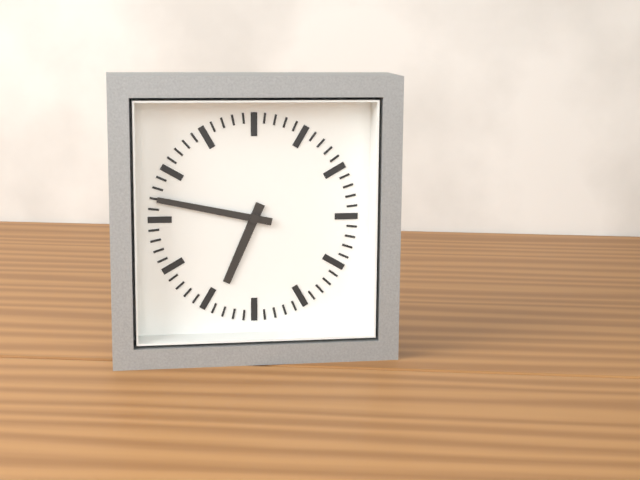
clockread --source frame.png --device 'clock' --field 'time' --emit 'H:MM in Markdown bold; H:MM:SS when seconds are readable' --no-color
**6:47**
